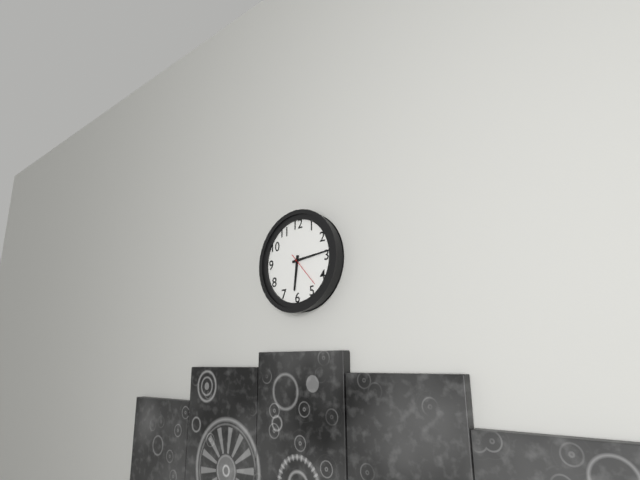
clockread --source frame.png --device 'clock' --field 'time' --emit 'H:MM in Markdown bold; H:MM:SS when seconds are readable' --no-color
**6:14**
